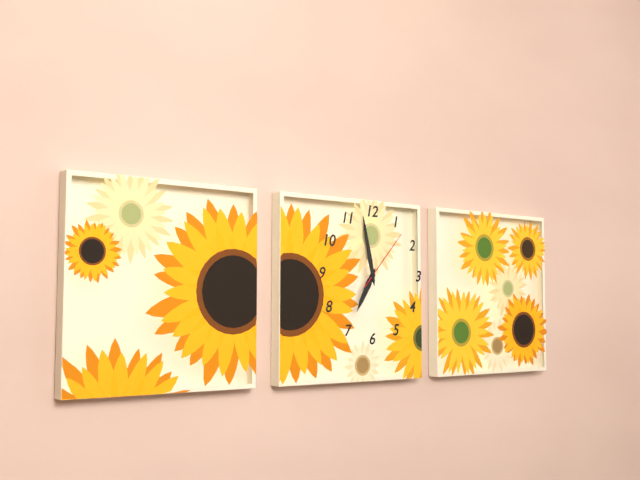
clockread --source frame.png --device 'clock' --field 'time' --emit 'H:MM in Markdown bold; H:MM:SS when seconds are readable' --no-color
**6:58:07**
